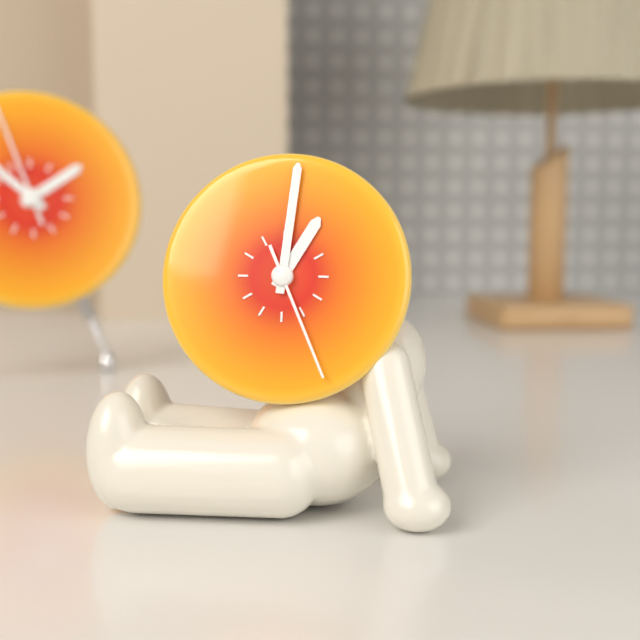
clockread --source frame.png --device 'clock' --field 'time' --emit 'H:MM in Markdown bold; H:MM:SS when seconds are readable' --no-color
**1:01:26**
